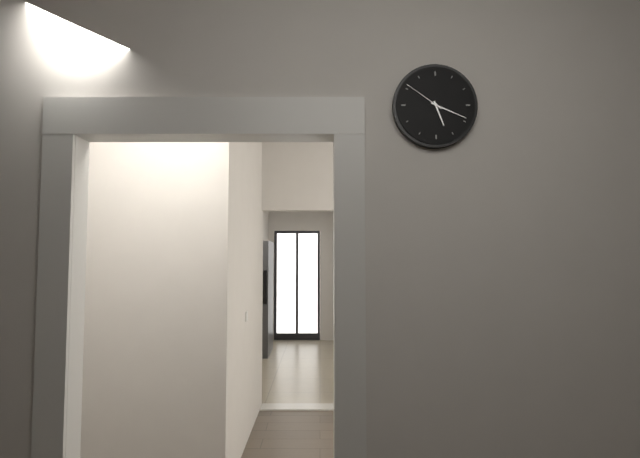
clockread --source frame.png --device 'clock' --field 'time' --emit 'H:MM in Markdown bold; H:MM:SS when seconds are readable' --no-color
**5:19**
